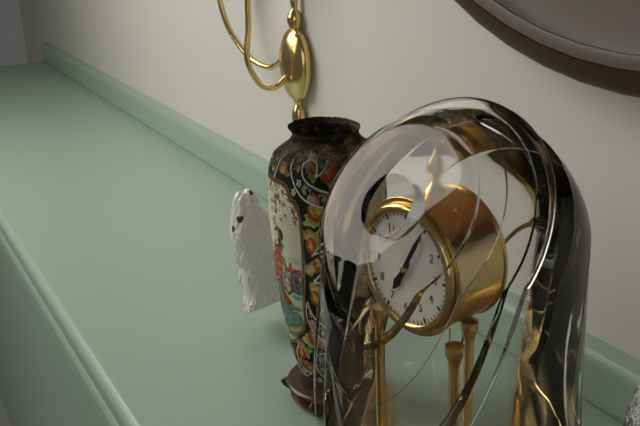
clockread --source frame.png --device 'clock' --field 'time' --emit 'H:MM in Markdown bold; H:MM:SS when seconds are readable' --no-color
**7:05**
